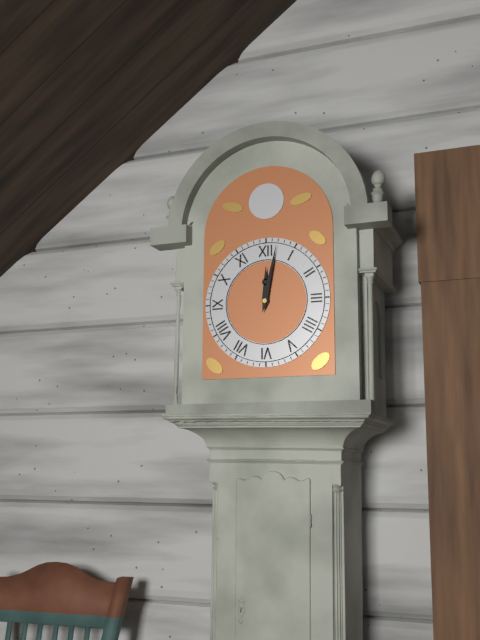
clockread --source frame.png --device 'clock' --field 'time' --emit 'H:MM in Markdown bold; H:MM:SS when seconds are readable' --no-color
**12:02**
